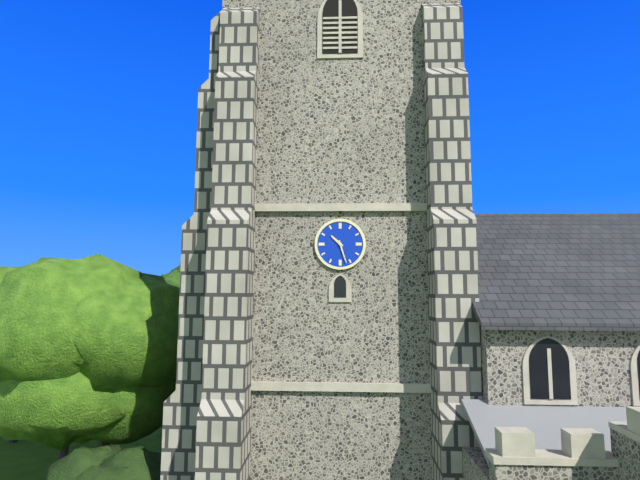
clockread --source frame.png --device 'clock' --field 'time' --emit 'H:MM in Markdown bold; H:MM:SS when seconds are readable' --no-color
**10:27**
